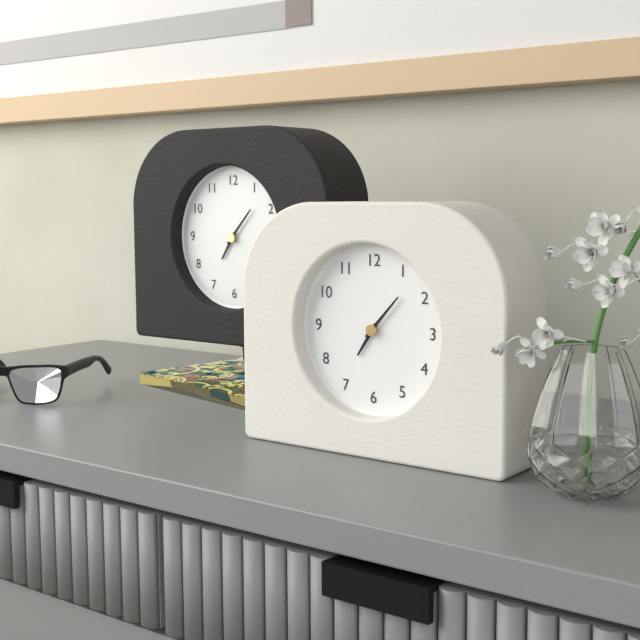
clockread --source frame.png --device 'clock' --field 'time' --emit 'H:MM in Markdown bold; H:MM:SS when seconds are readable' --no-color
**7:07**
